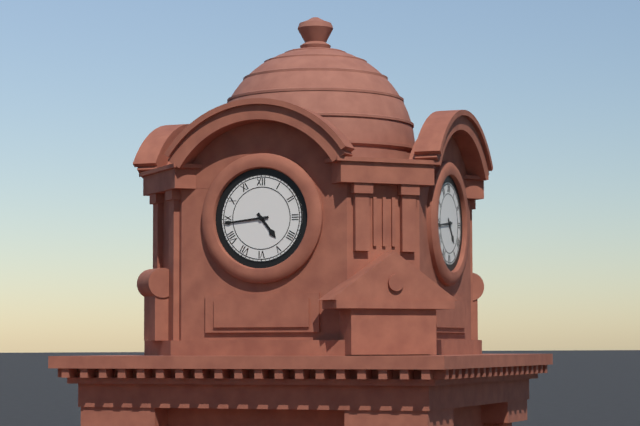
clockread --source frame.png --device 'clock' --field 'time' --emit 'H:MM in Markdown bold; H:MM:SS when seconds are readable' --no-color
**4:44**
